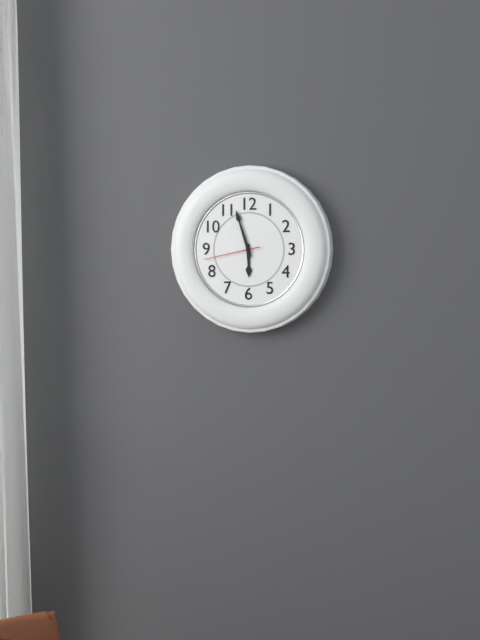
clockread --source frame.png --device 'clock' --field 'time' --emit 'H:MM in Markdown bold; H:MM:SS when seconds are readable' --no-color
**5:57:43**
